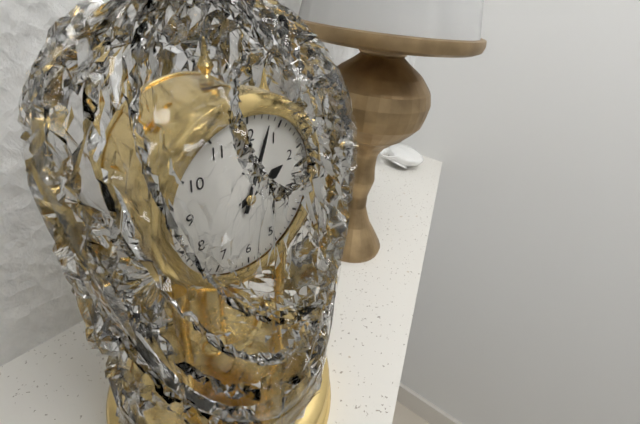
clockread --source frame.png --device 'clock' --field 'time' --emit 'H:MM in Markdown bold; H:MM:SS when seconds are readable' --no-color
**2:03**
